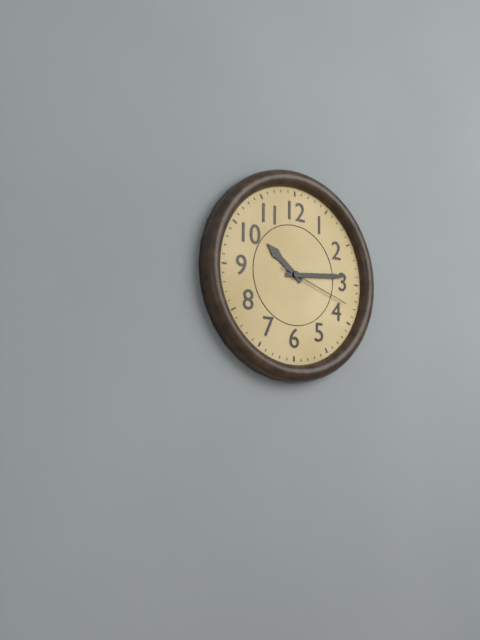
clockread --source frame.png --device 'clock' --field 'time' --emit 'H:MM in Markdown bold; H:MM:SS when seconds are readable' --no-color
**10:14:18**
